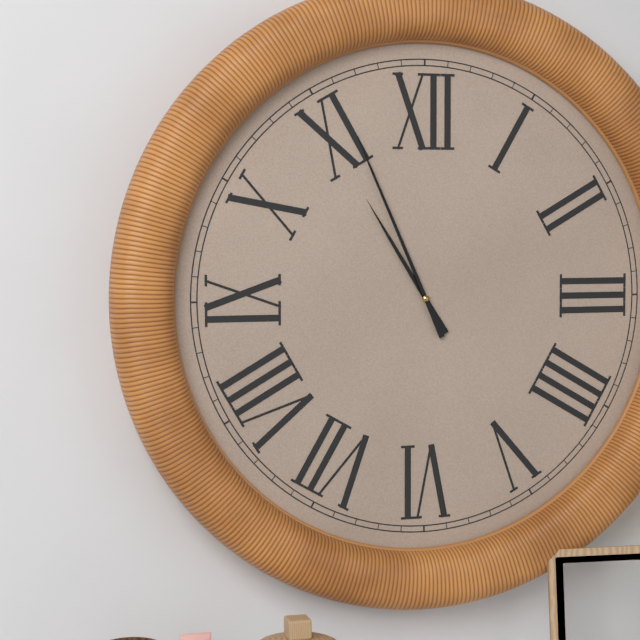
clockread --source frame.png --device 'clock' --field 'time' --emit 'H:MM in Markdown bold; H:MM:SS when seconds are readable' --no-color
**10:56**
